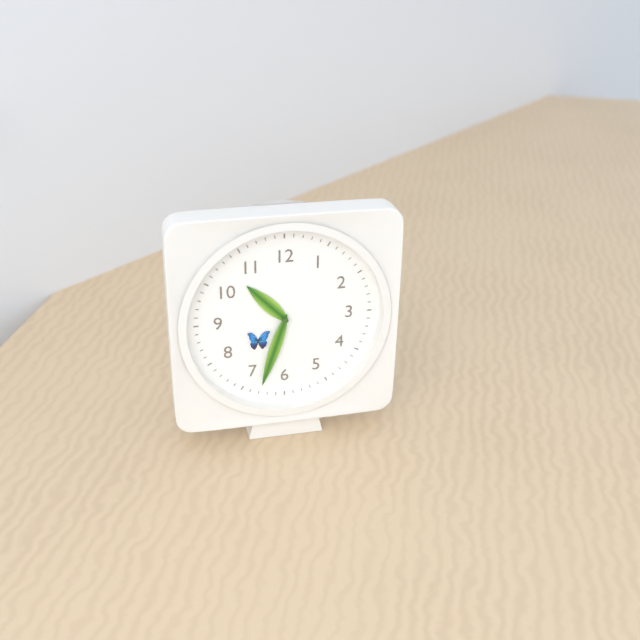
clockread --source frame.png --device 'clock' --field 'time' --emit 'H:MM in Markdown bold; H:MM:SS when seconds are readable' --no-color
**10:33**
